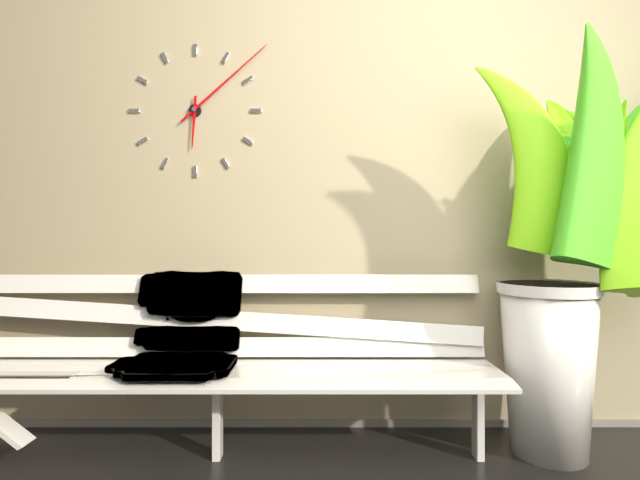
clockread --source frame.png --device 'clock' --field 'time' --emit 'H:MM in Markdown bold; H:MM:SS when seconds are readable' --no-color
**6:08**
